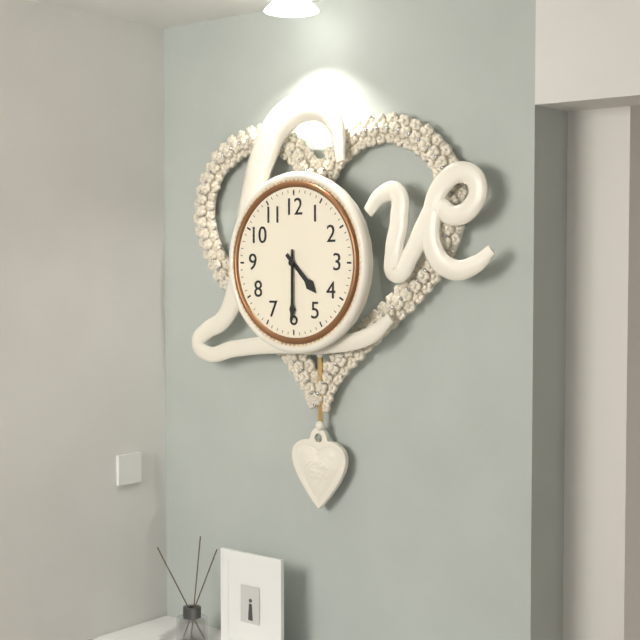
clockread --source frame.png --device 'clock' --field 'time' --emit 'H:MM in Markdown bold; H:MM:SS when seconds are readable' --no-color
**4:30**
